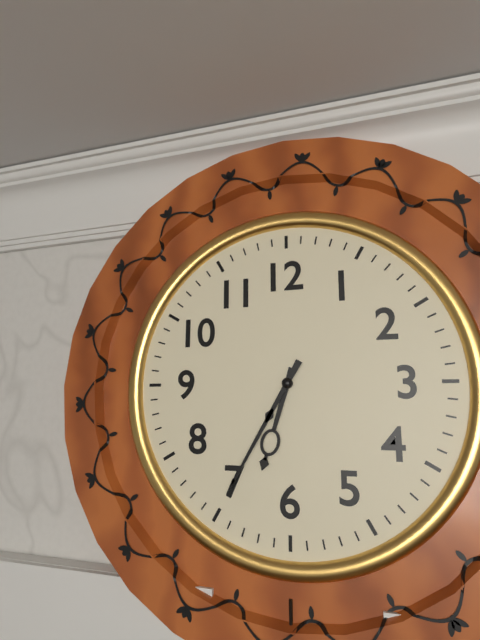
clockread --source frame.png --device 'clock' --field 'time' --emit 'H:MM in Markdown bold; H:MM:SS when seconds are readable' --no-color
**6:35**
